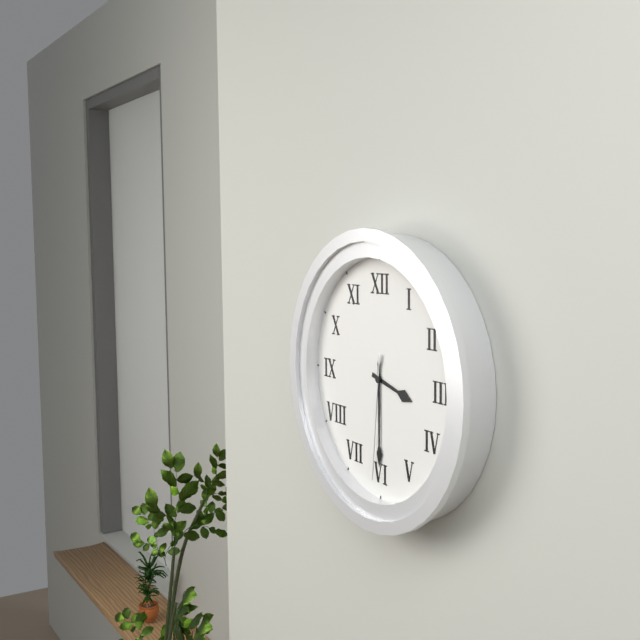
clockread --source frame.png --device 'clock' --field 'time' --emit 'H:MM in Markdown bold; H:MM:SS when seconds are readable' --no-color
**3:30:31**
